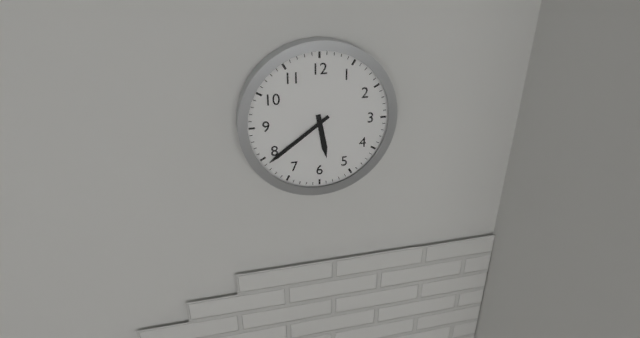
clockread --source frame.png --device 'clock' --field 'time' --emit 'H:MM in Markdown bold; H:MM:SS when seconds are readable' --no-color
**5:39**
